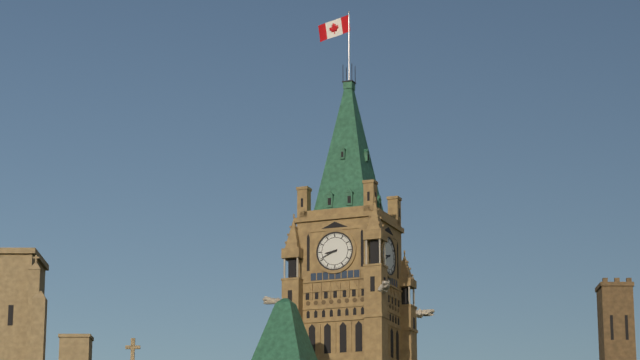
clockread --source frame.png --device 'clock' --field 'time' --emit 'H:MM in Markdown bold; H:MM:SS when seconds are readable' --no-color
**8:41**
